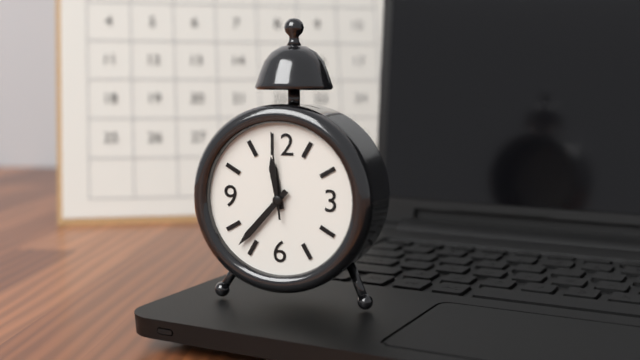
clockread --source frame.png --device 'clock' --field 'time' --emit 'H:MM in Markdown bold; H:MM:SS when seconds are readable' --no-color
**11:37:59**
